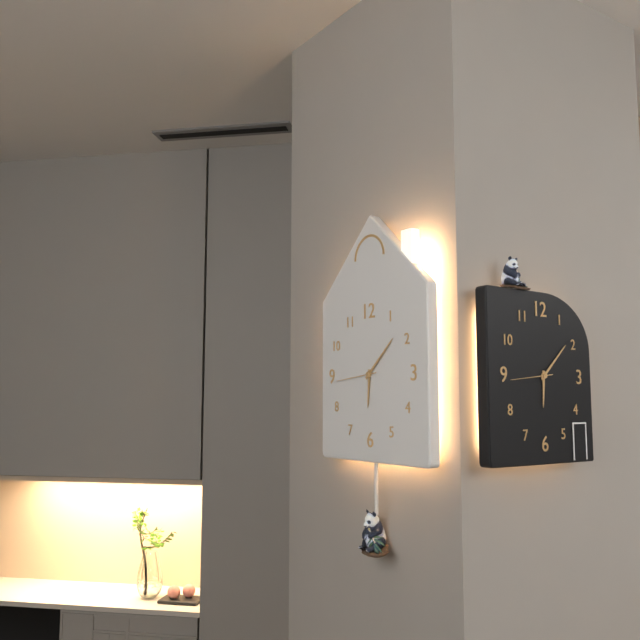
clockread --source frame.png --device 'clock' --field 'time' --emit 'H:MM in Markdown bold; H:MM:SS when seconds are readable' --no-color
**6:08**
